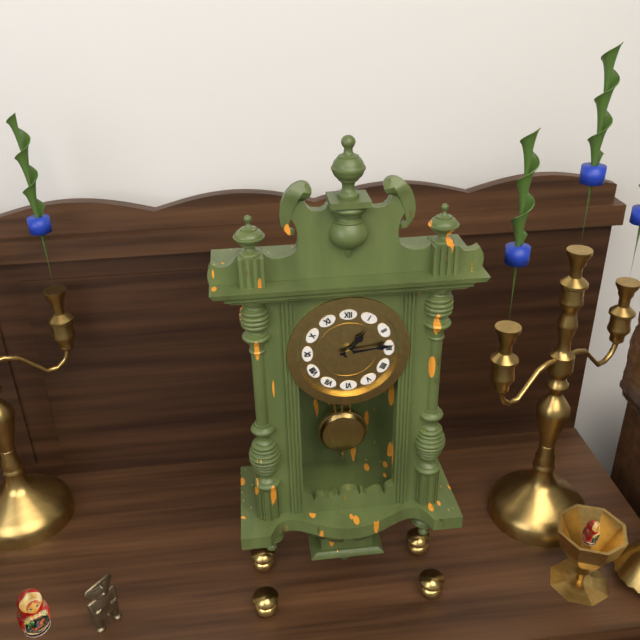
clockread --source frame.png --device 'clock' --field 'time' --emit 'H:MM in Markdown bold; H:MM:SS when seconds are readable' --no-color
**1:14**
